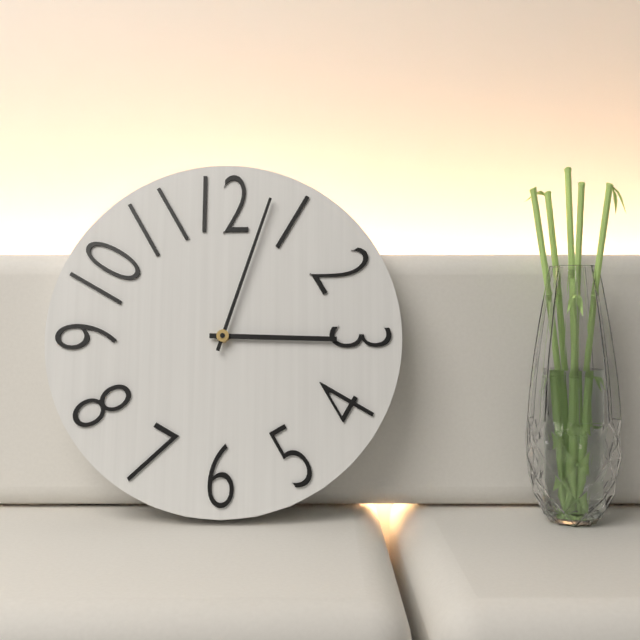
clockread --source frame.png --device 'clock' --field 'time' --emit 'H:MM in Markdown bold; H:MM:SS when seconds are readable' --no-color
**3:03**
